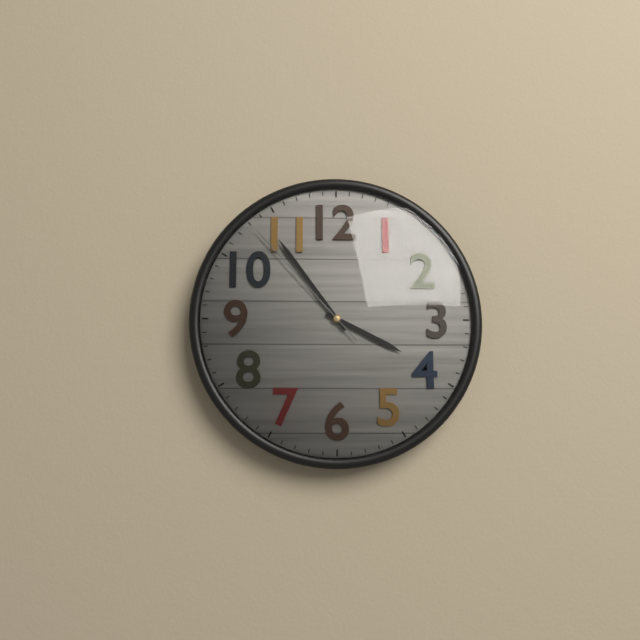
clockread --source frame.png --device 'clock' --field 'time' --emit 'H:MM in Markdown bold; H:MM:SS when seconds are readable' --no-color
**3:54:53**
